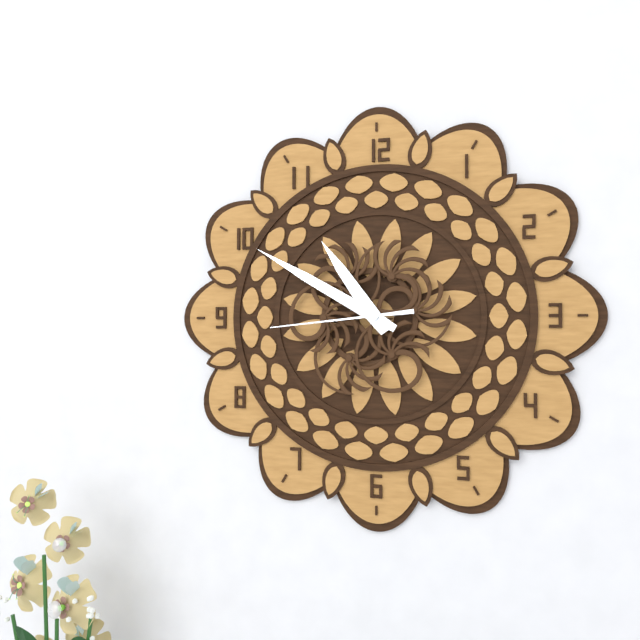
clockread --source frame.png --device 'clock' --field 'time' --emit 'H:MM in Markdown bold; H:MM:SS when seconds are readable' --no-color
**10:50:44**
